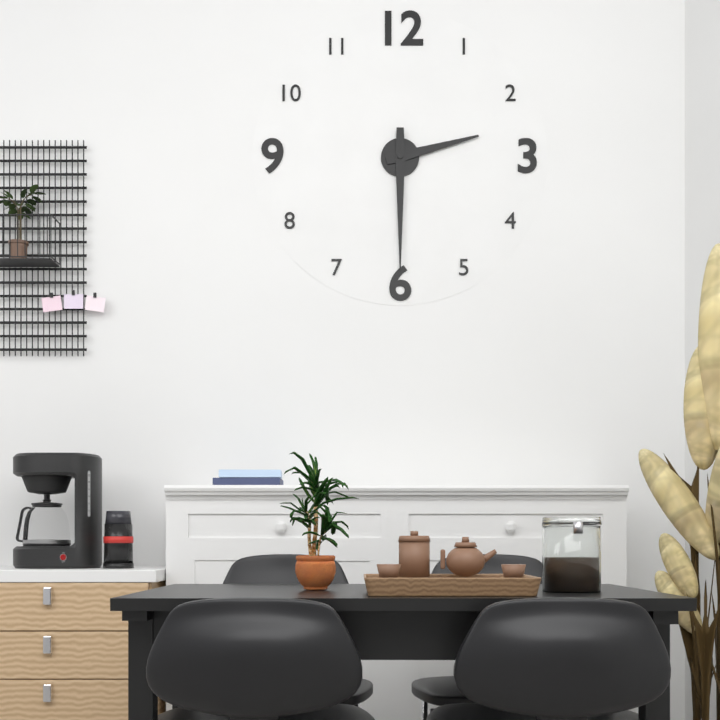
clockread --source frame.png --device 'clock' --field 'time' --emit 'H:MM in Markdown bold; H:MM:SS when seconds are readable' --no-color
**2:30**
